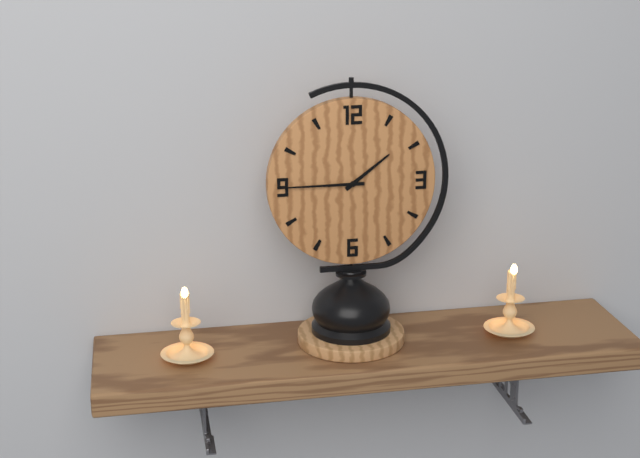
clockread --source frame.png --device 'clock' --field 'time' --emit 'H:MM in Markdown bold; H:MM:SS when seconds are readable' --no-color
**1:45**
